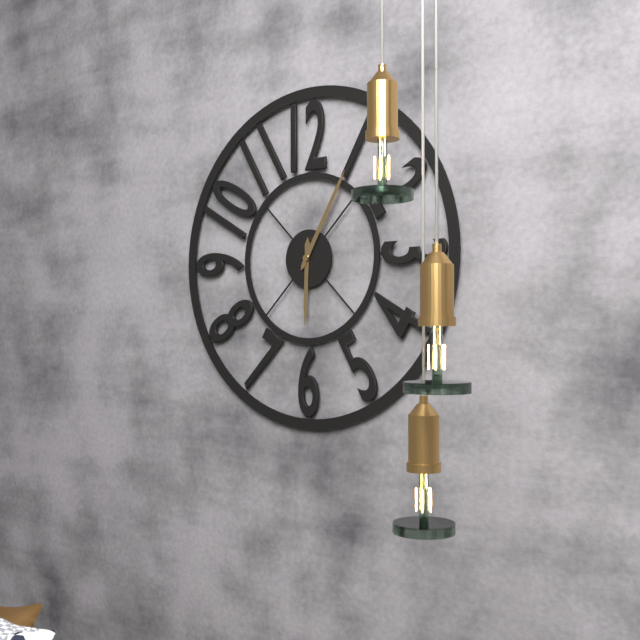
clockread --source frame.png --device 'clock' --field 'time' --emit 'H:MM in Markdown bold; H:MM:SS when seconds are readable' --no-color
**6:05**
